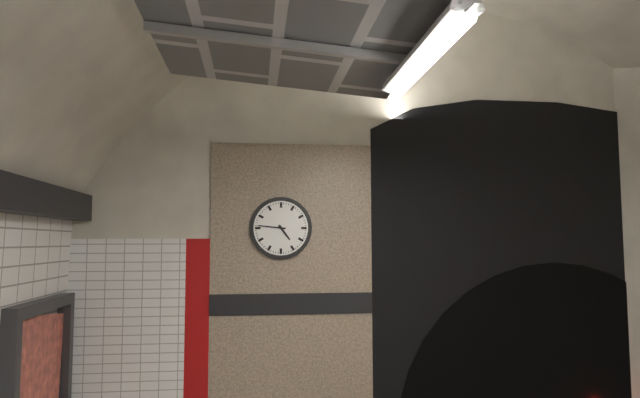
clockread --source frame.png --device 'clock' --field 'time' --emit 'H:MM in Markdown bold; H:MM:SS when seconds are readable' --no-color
**4:46**
